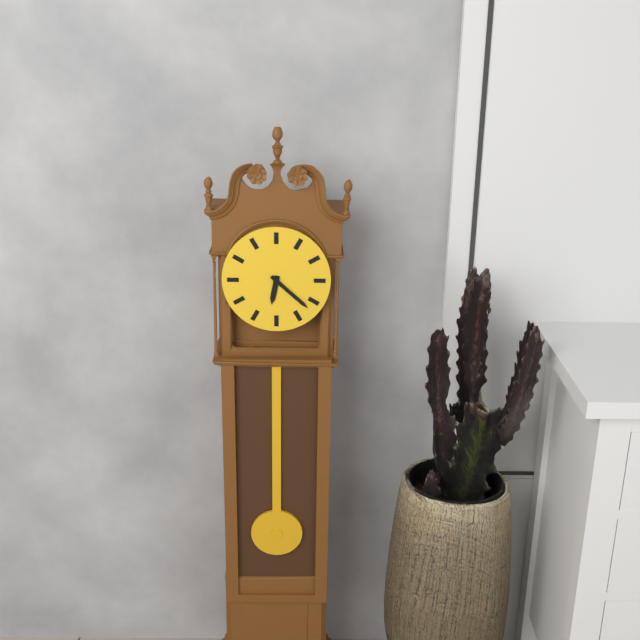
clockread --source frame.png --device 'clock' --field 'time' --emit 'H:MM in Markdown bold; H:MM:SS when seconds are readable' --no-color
**6:22**
